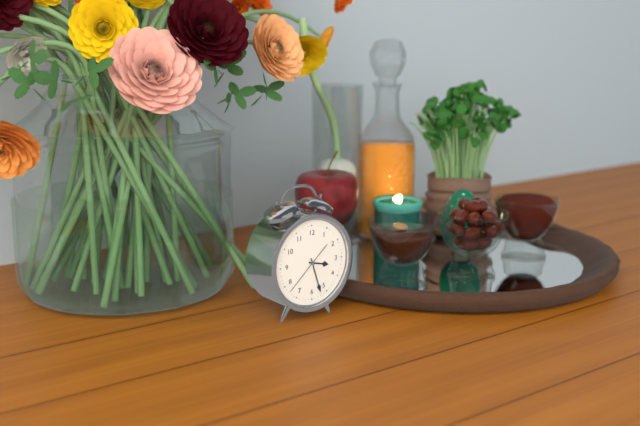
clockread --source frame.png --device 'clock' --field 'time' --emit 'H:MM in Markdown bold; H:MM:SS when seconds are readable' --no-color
**3:27**
